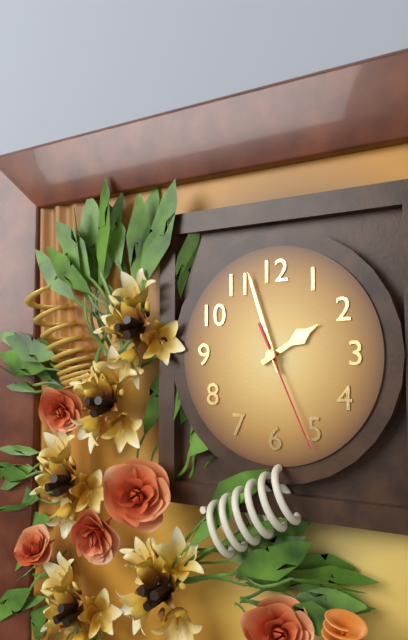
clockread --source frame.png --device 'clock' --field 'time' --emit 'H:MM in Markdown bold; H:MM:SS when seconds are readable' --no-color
**1:57:26**
